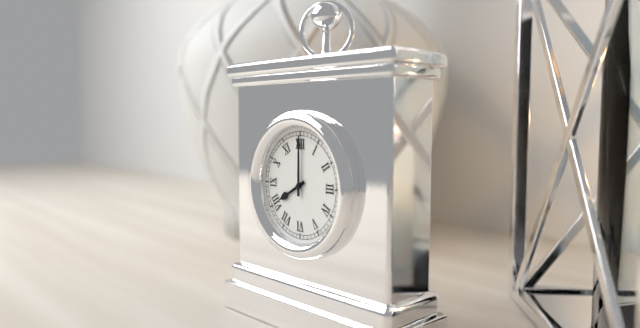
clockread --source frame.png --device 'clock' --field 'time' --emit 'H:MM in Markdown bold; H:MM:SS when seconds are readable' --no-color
**8:00**
